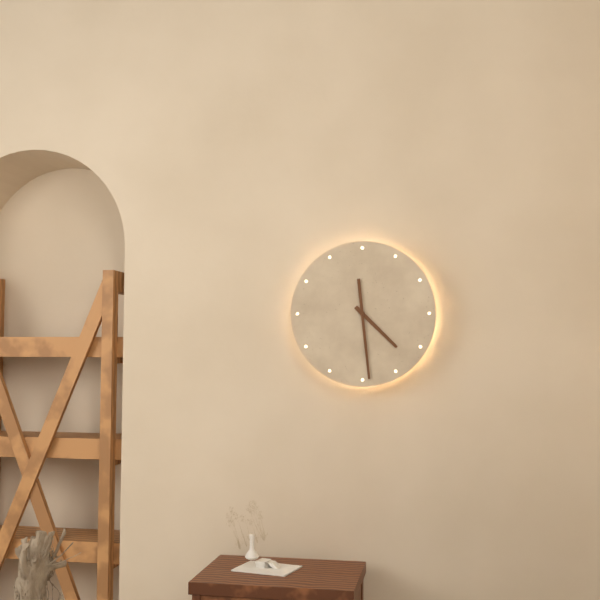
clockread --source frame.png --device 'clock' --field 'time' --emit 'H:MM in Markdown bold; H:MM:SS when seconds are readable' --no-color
**4:29**
